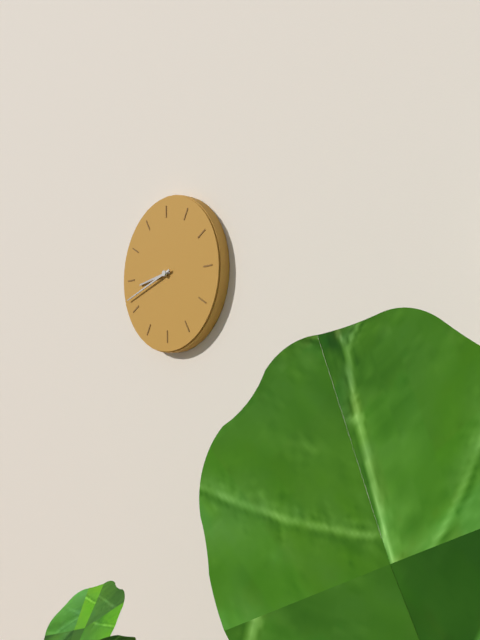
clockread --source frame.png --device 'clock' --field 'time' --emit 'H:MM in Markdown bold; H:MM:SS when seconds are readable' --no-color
**8:42**
